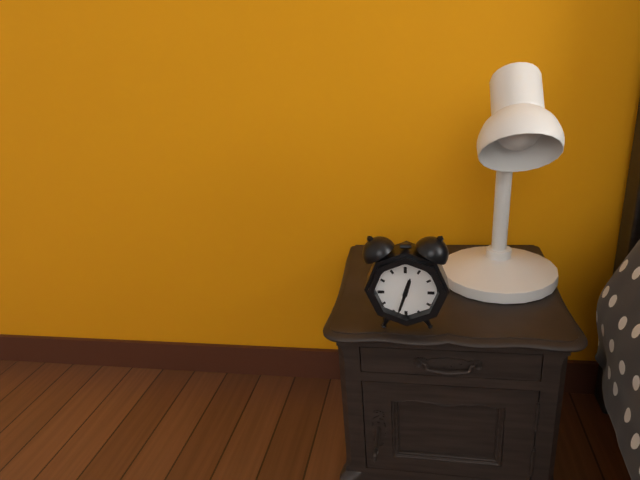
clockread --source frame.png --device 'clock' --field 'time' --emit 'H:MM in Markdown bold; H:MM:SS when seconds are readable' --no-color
**12:33**
